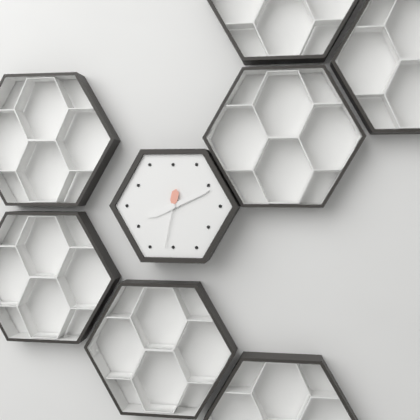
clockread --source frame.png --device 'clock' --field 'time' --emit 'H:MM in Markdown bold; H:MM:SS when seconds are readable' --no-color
**8:11:32**
